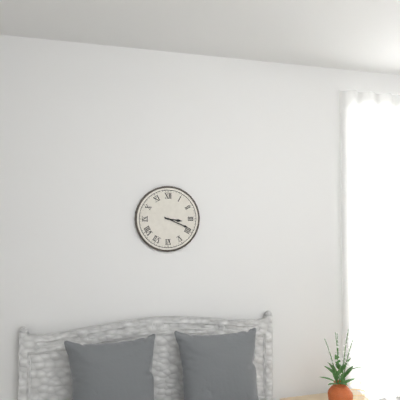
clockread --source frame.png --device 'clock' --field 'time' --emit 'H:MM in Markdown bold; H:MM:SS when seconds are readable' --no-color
**3:19**
